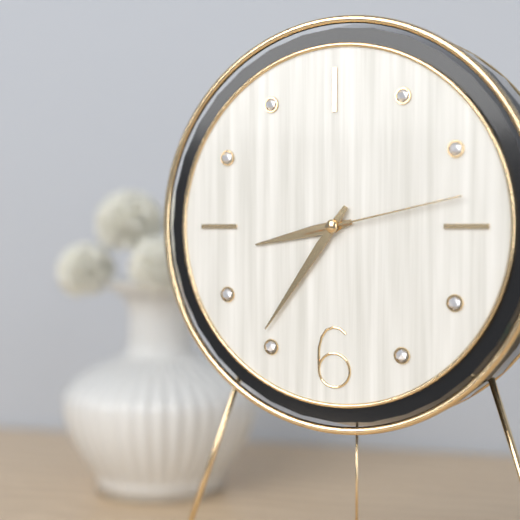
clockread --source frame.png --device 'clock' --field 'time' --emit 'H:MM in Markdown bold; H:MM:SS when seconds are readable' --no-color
**8:36:13**
